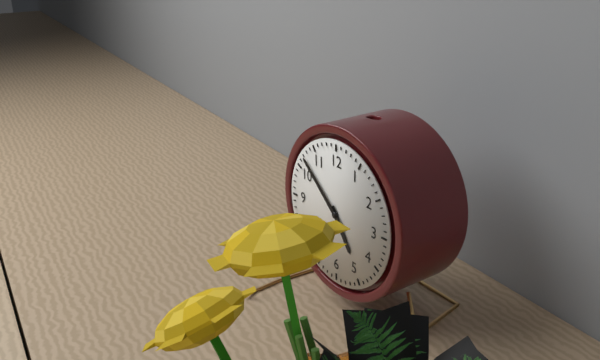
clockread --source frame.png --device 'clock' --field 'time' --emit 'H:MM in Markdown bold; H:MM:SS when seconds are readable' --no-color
**4:52**
